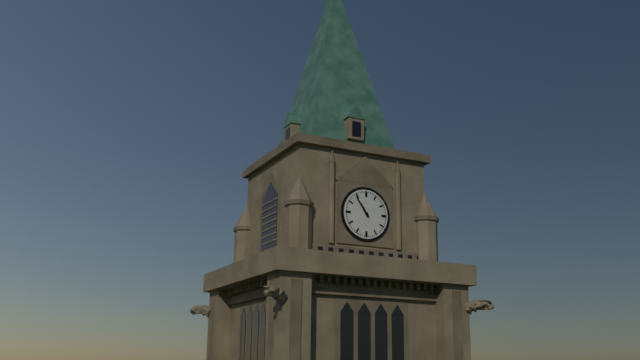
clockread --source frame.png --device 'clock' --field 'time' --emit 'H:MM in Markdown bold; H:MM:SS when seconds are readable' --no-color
**10:54**
